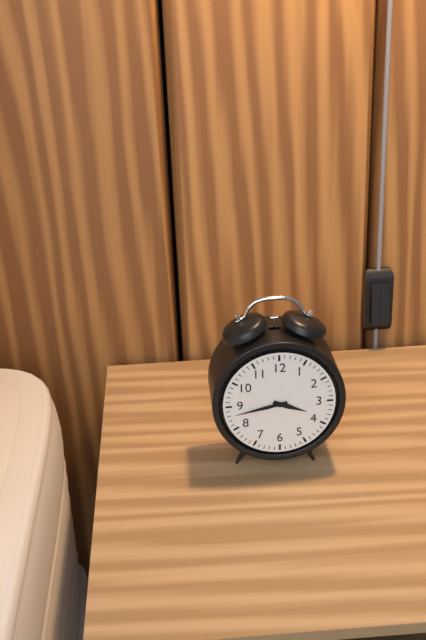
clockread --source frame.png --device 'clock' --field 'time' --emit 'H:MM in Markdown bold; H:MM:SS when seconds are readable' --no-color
**3:43**
